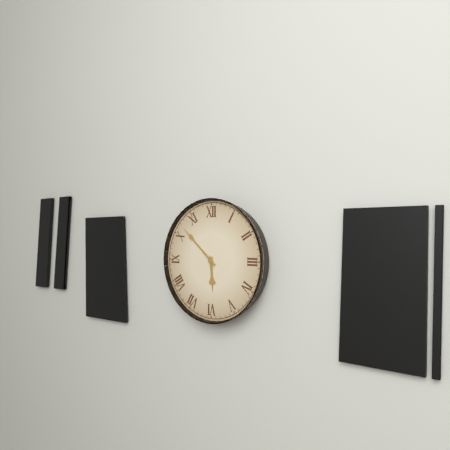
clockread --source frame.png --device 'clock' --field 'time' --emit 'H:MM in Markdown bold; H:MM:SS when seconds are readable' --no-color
**5:52**
